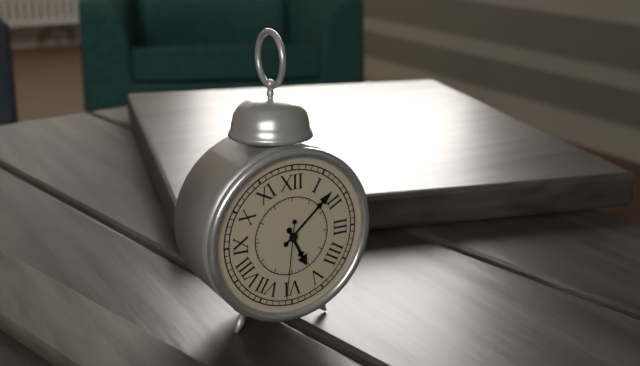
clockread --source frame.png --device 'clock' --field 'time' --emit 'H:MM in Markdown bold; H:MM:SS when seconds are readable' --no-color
**5:08:31**
